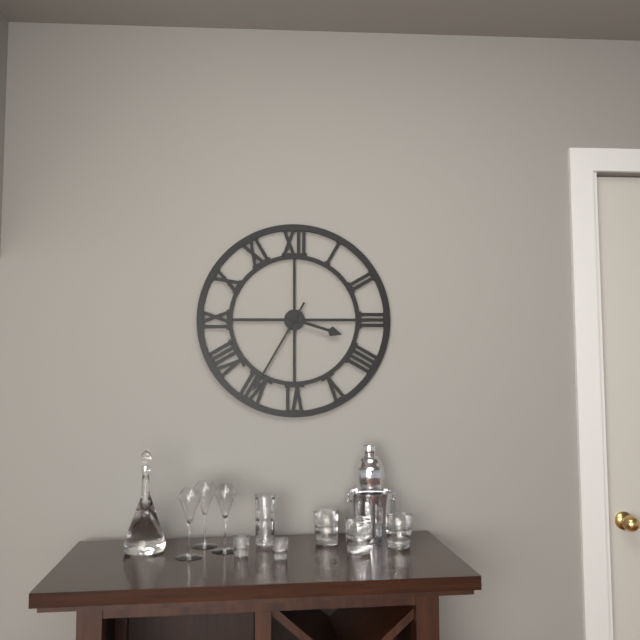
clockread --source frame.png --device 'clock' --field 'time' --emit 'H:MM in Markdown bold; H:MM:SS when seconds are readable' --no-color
**3:35**
